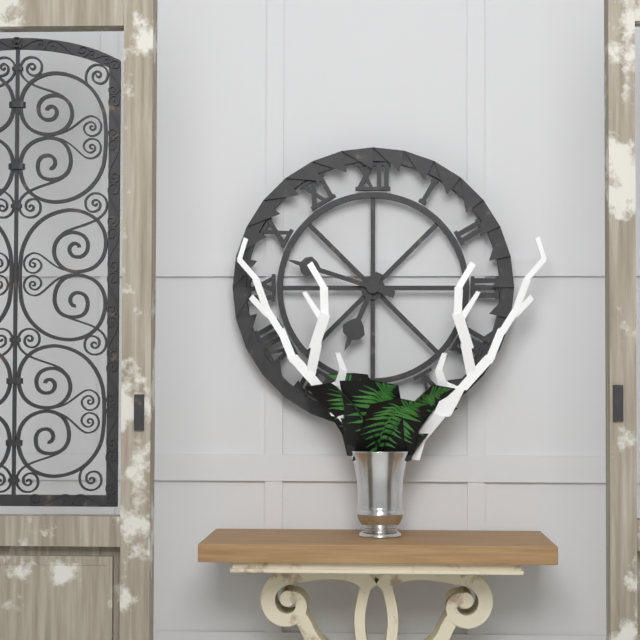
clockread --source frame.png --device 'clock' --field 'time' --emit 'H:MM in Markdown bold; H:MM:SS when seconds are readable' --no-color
**6:48**
